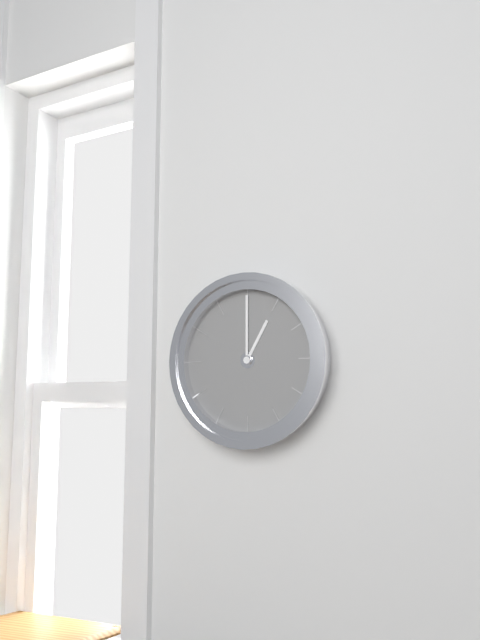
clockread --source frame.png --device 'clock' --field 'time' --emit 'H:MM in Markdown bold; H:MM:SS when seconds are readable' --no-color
**1:00**
